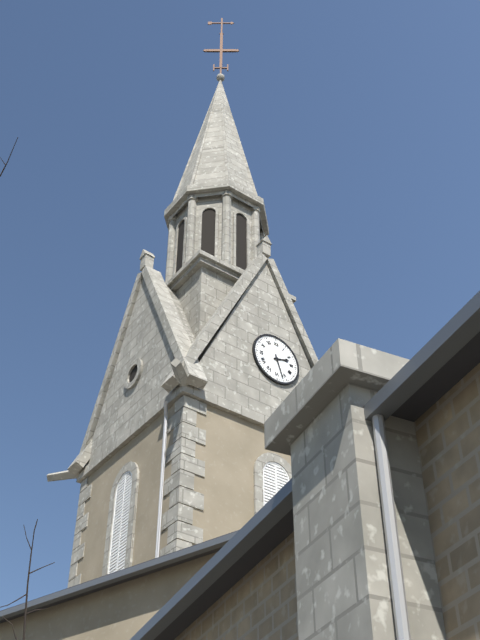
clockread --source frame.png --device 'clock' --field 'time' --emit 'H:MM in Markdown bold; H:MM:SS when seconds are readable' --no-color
**2:27**
